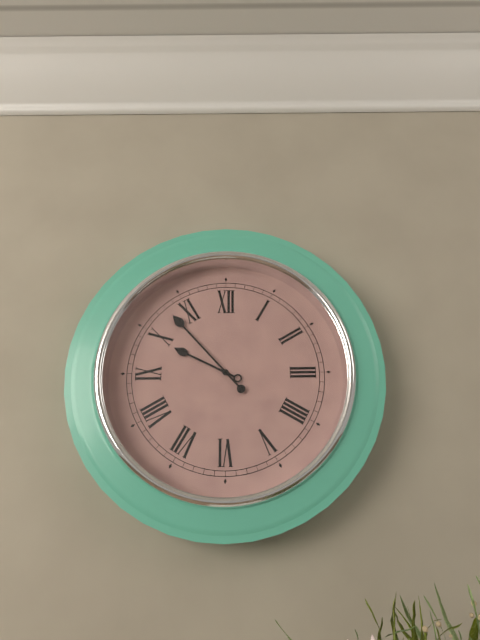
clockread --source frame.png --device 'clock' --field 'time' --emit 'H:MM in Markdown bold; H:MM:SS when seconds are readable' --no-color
**9:53**
